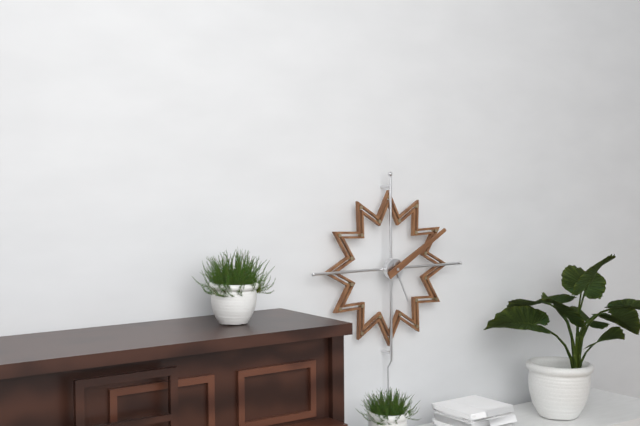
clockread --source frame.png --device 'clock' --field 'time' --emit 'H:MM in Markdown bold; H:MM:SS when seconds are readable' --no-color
**5:10**
